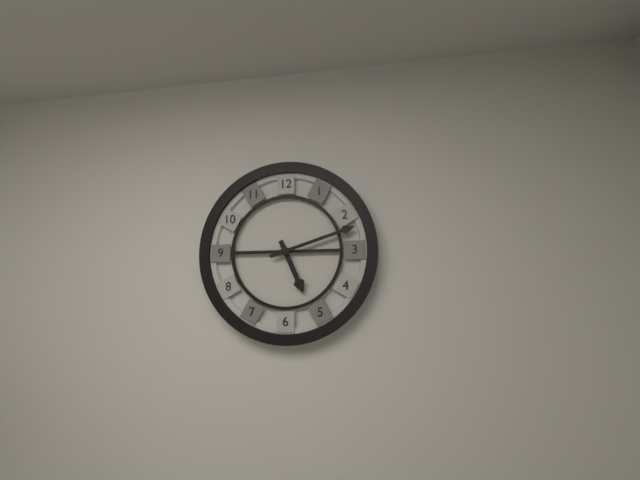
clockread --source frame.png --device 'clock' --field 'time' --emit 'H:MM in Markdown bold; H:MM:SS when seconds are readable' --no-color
**5:12**
